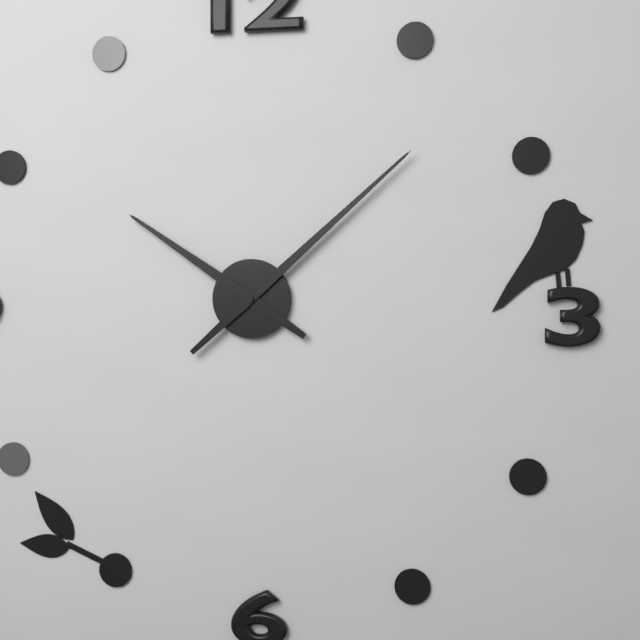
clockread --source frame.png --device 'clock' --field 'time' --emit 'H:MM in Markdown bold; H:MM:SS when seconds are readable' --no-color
**10:08**
